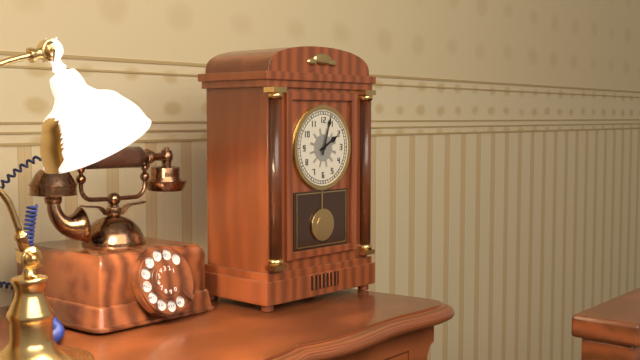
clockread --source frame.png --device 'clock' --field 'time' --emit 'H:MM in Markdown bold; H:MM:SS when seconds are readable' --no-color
**2:03**
